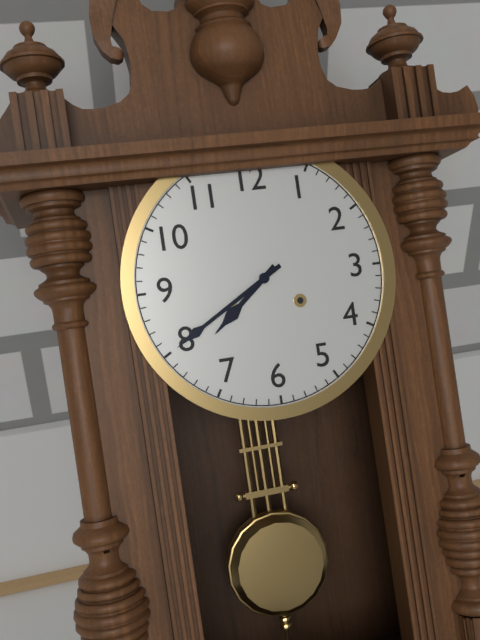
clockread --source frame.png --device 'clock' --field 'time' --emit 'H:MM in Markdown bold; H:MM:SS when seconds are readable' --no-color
**7:40**
